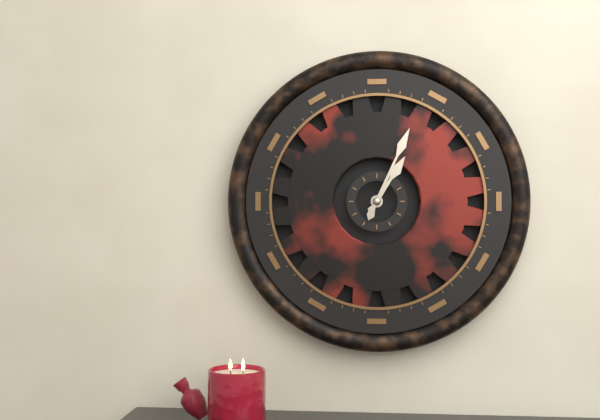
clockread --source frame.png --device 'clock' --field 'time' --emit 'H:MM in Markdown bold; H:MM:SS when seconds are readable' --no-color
**1:04**
